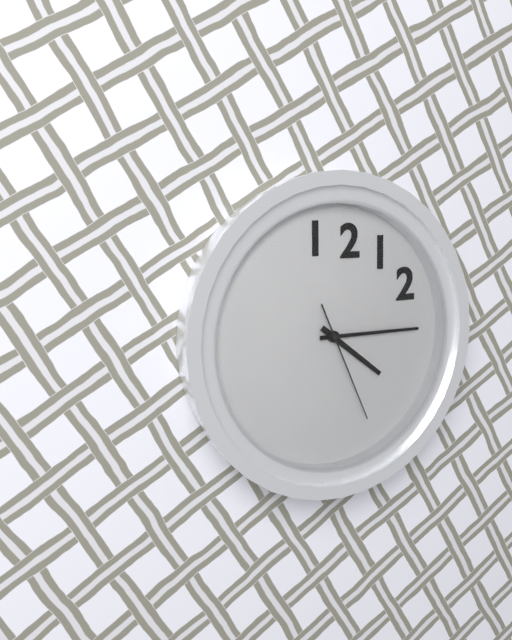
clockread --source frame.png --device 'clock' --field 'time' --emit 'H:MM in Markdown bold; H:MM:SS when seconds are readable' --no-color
**4:15:26**
